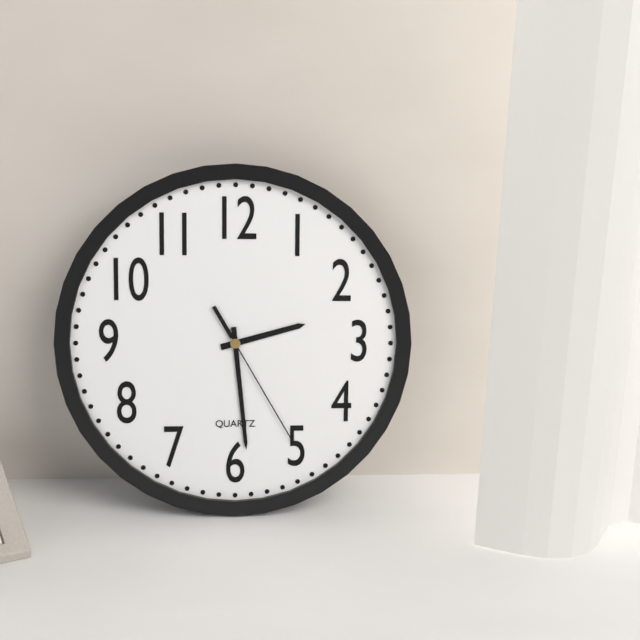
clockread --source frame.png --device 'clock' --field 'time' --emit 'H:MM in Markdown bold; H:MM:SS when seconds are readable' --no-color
**2:29:25**
